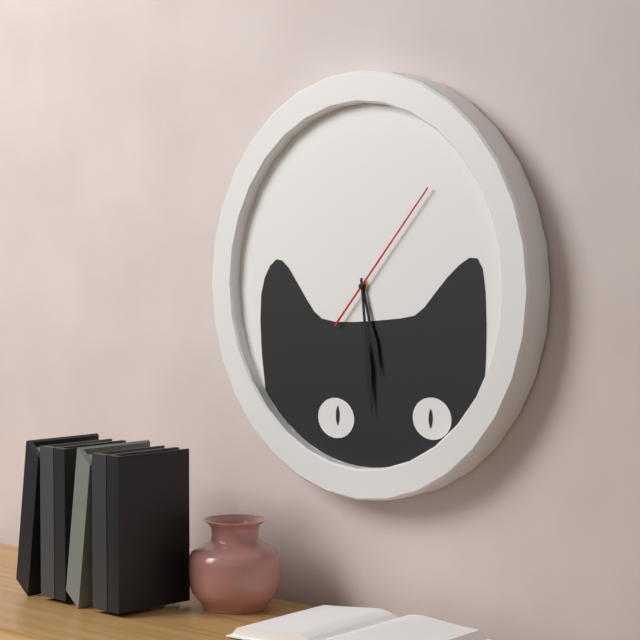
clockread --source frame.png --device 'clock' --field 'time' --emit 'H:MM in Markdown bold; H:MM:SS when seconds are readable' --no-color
**5:29:07**
